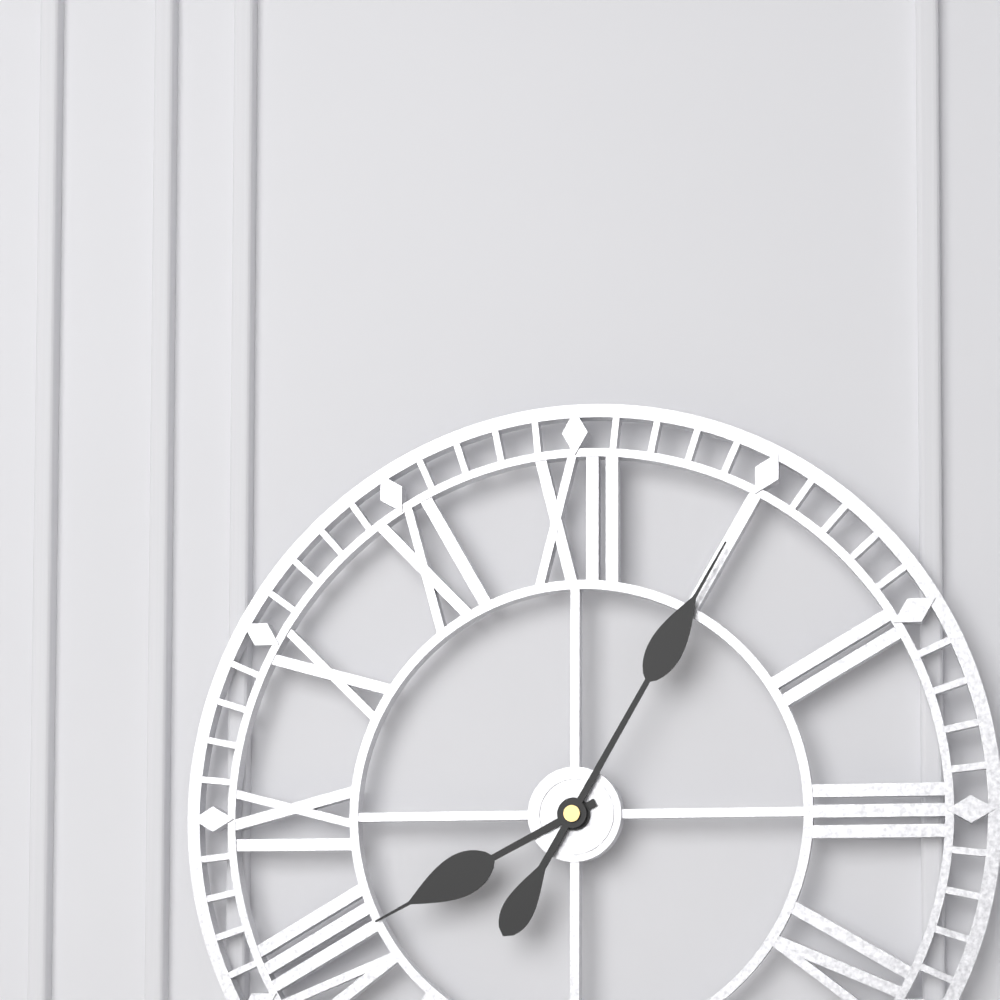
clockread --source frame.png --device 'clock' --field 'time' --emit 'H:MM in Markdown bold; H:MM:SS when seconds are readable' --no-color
**8:05**
